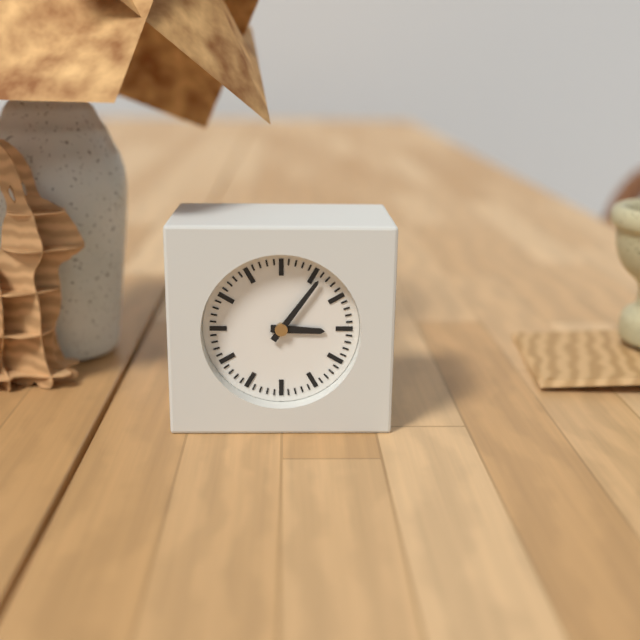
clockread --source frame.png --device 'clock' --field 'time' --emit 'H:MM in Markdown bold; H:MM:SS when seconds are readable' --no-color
**3:06**
